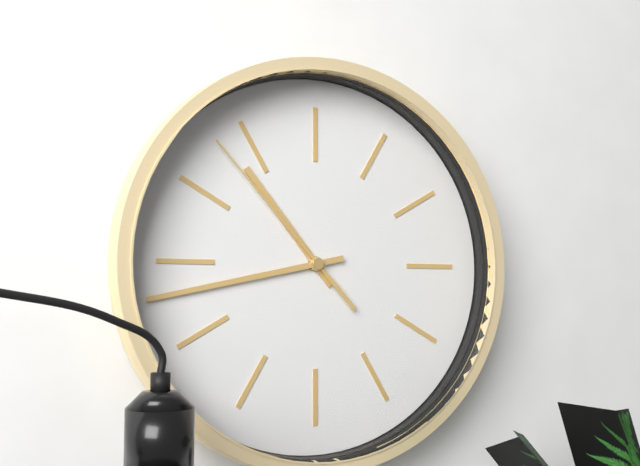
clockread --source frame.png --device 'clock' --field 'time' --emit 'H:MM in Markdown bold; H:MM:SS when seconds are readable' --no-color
**10:43:53**
